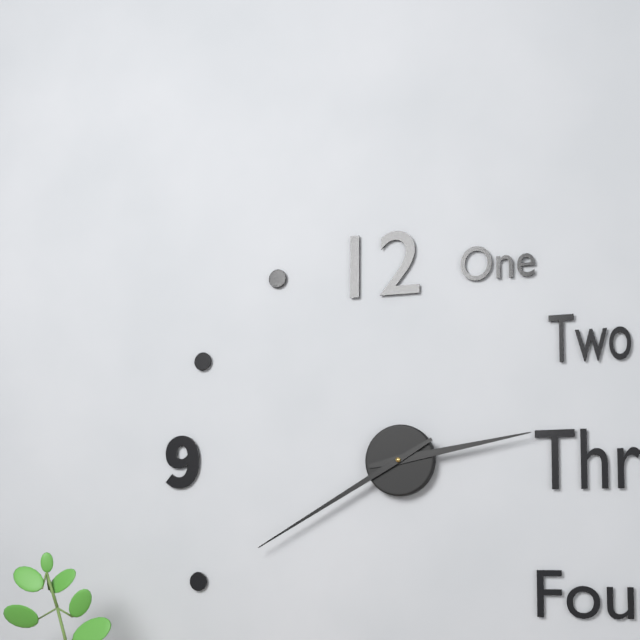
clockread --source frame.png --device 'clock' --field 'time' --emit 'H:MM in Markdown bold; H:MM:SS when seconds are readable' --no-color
**2:40**
